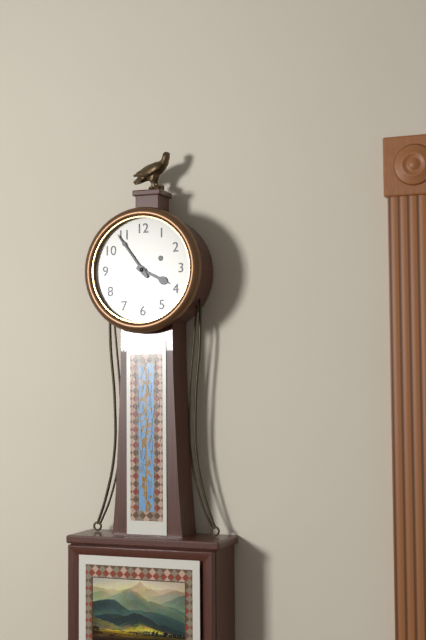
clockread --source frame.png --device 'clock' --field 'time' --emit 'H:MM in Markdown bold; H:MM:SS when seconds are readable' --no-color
**3:54**
